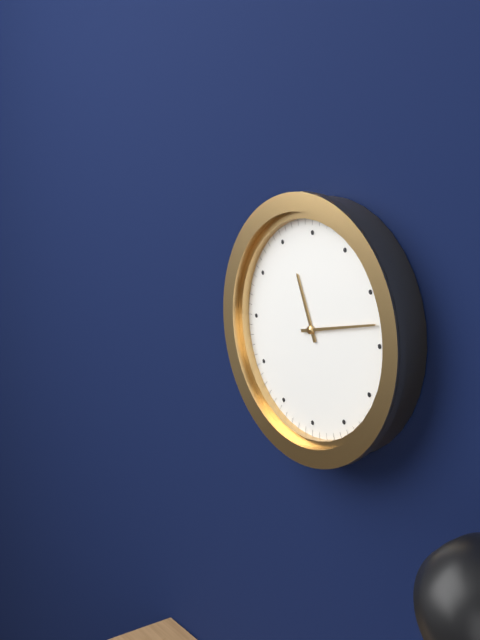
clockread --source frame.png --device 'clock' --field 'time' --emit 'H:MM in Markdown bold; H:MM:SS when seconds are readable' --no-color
**11:13**
